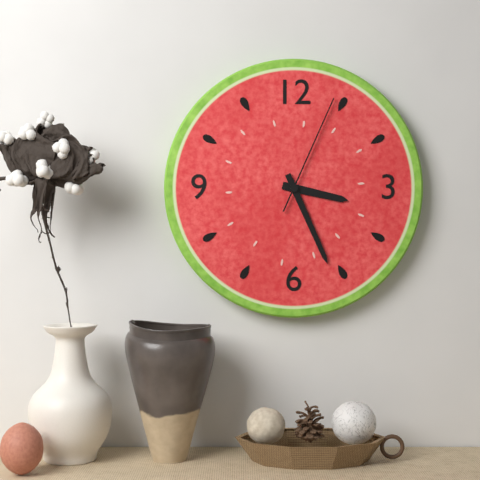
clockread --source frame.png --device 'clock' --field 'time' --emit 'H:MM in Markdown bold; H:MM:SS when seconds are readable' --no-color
**3:26:04**
